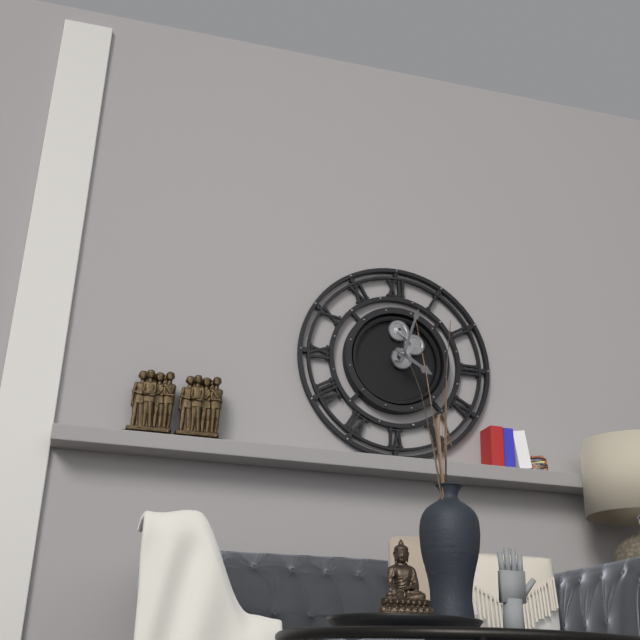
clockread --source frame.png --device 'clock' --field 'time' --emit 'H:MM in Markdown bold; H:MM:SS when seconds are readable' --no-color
**4:03**
